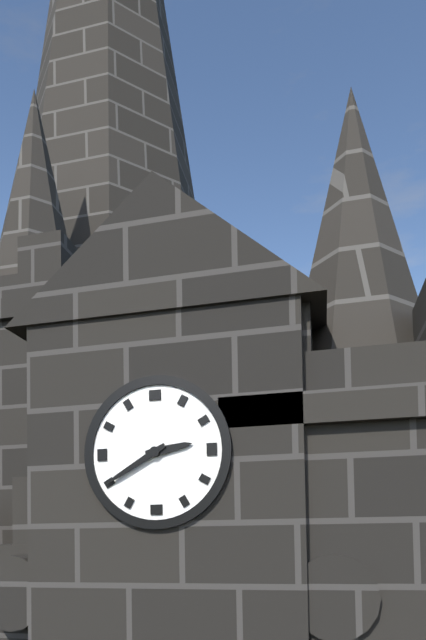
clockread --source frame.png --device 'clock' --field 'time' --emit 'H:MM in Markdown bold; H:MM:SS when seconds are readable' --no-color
**2:40**
